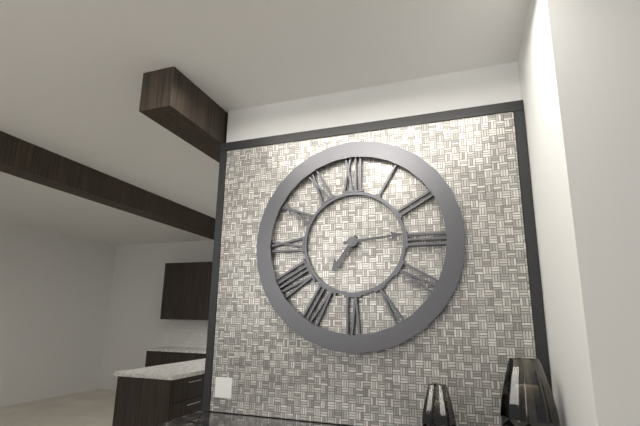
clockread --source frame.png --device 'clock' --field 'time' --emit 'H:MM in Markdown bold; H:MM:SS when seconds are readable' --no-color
**7:14**
